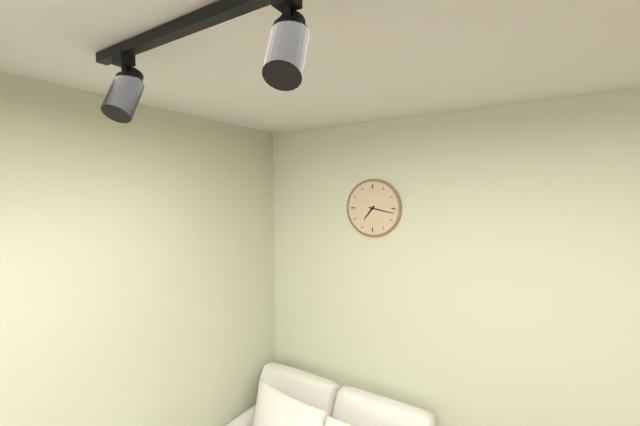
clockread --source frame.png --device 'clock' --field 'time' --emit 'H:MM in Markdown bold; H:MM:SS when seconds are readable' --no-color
**7:17**
